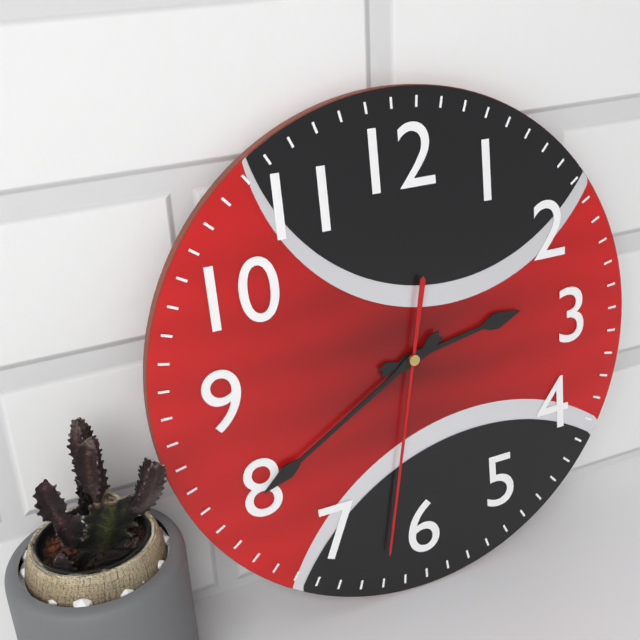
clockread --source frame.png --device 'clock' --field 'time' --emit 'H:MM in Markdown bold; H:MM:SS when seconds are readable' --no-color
**2:40:32**
